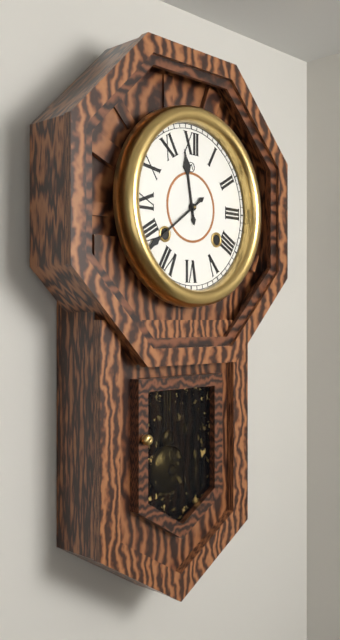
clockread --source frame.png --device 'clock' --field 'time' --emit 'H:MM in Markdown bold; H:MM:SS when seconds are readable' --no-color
**11:39**
